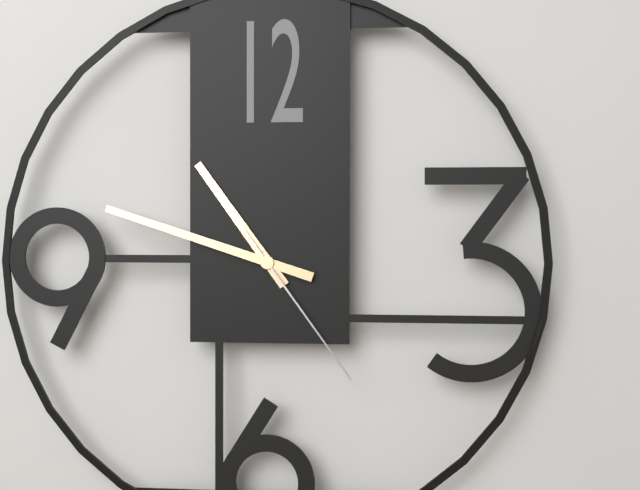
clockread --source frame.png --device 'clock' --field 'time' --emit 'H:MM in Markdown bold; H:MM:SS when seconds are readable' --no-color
**10:48:24**
